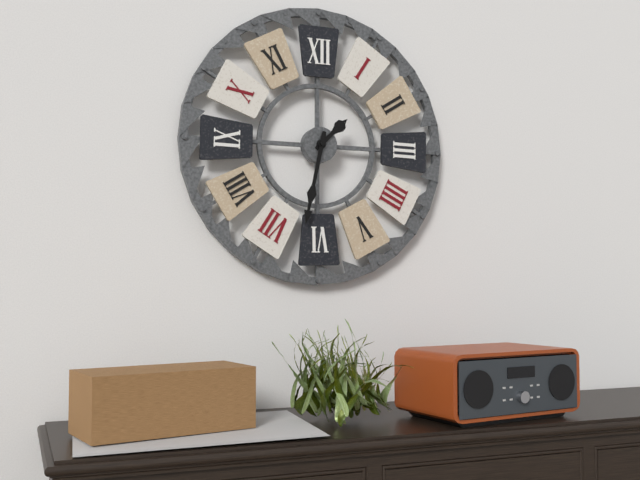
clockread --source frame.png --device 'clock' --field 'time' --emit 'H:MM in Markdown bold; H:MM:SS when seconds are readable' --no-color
**1:32**
